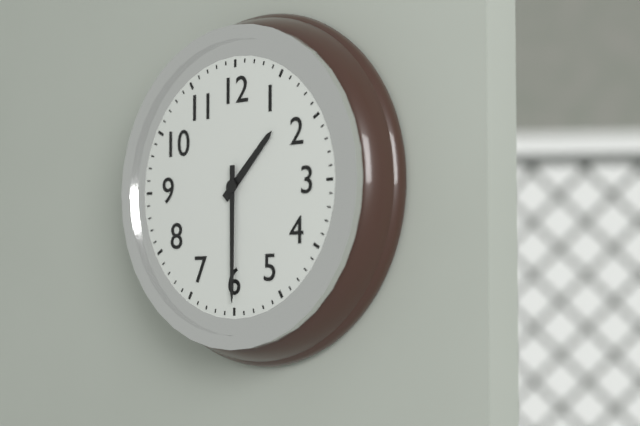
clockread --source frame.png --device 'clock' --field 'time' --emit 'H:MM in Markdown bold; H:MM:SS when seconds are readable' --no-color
**1:30**
